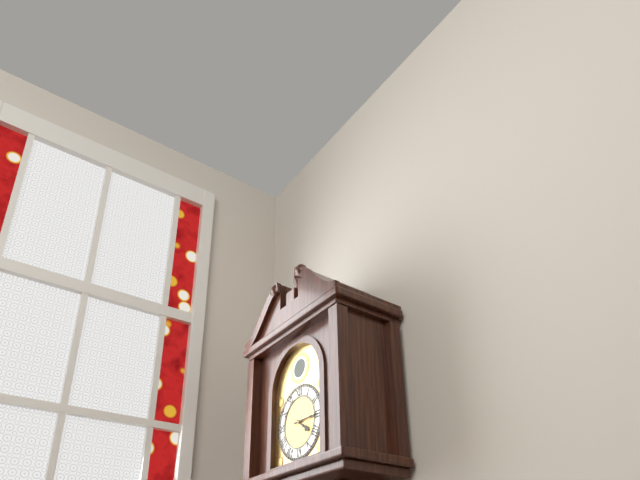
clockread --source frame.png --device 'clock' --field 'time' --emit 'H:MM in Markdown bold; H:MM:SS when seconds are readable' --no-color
**4:15**
